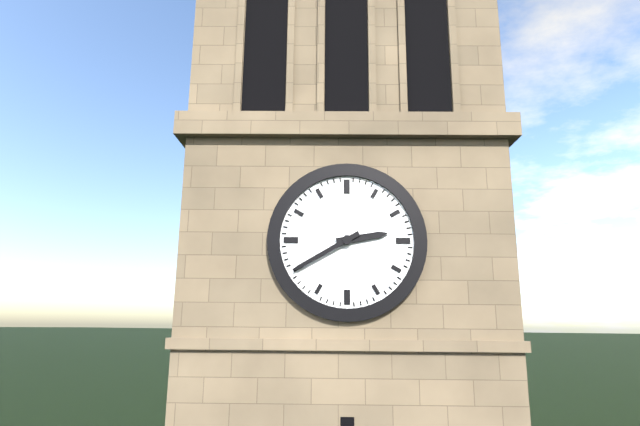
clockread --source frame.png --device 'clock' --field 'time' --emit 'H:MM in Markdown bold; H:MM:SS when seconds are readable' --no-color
**2:40**
